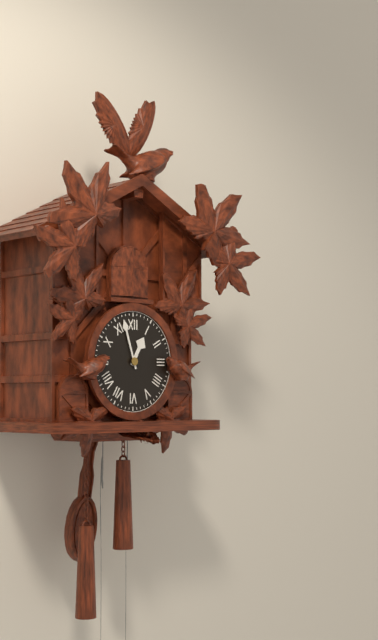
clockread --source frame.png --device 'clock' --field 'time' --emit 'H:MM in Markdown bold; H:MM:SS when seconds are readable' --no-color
**12:57**
